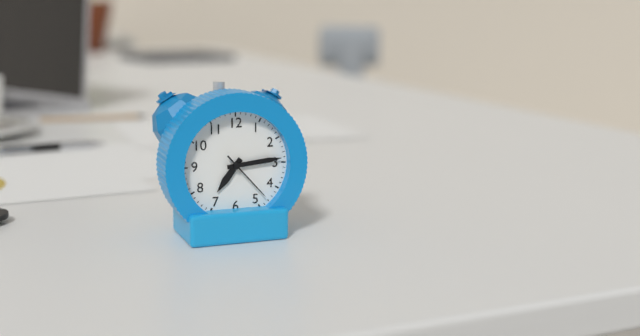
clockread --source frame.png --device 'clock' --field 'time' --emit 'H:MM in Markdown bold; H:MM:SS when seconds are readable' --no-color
**7:14:23**
